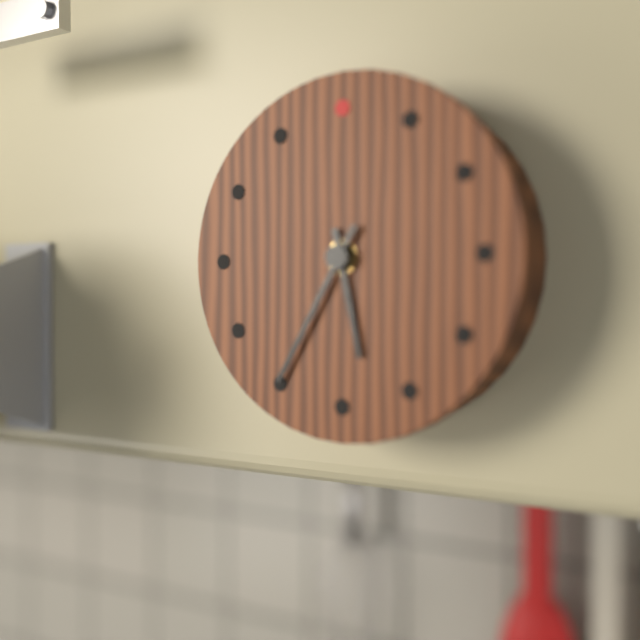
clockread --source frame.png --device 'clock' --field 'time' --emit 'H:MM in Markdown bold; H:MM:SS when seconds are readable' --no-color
**5:35**
